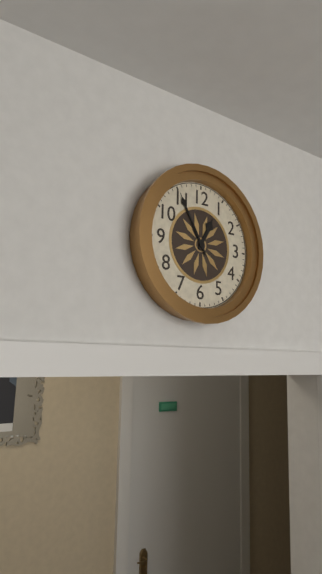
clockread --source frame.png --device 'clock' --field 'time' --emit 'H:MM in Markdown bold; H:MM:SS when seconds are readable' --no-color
**12:55**
